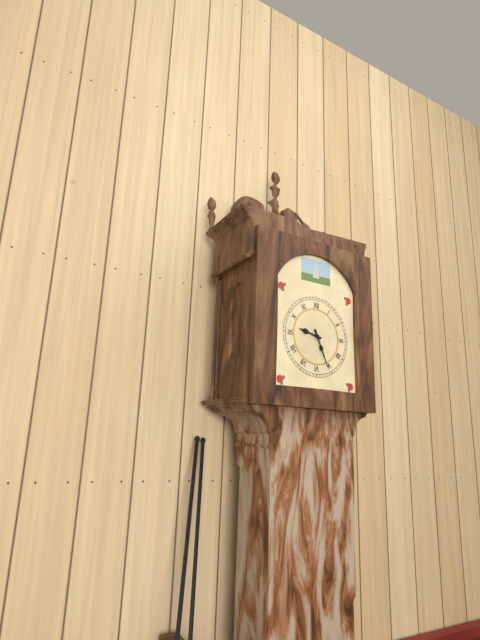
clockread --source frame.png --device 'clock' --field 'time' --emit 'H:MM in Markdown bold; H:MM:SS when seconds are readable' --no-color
**9:26**
